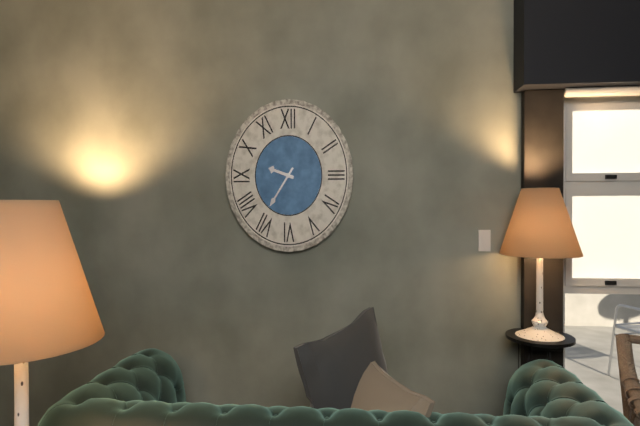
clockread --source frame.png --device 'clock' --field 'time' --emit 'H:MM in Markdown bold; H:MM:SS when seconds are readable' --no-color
**9:36**
